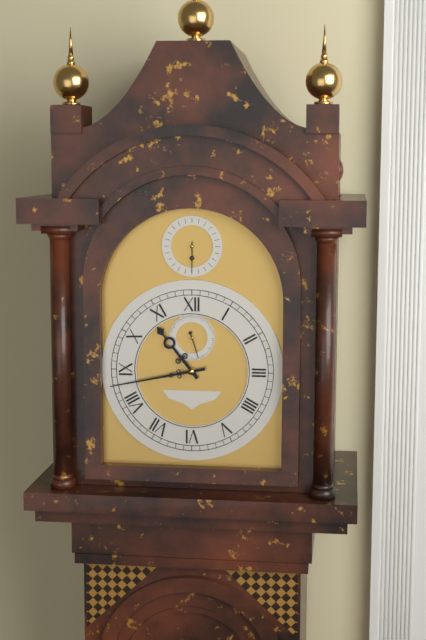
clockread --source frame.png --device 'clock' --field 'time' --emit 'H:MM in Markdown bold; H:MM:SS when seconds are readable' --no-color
**10:43**
